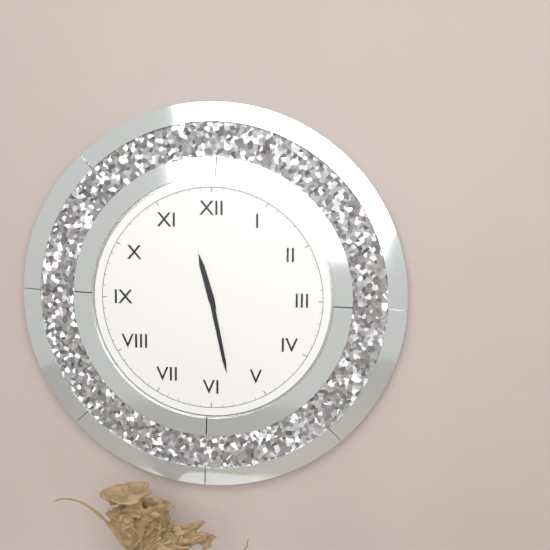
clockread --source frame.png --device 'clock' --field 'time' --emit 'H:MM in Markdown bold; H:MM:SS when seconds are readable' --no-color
**11:28**
